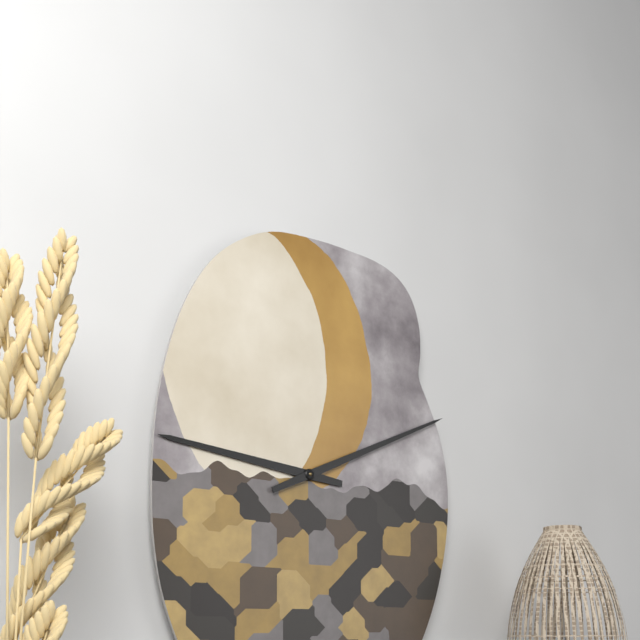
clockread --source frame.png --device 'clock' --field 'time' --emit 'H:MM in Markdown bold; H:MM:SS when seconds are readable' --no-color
**9:11**
